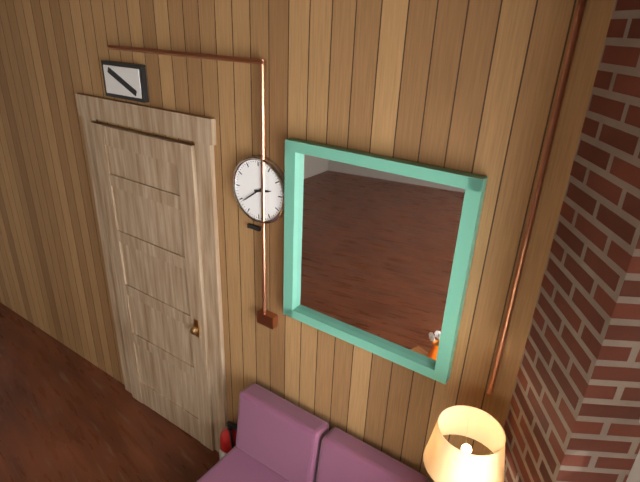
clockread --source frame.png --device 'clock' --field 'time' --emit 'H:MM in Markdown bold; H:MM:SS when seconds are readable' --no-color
**2:39**
